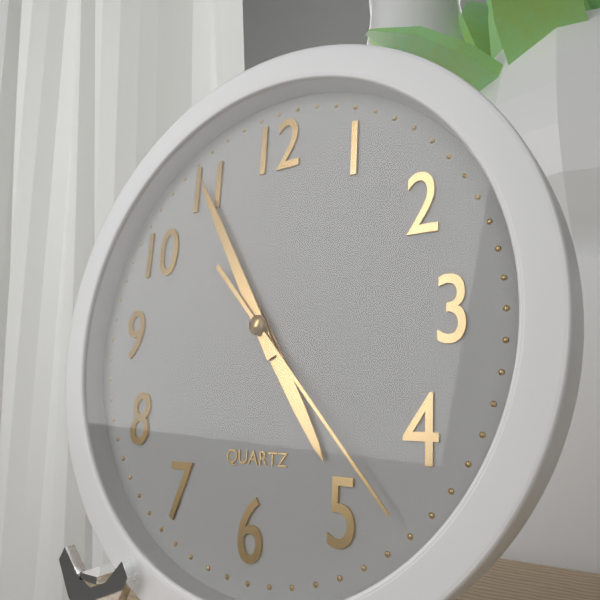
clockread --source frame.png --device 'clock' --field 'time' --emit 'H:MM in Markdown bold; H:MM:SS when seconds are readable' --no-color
**4:55:23**
